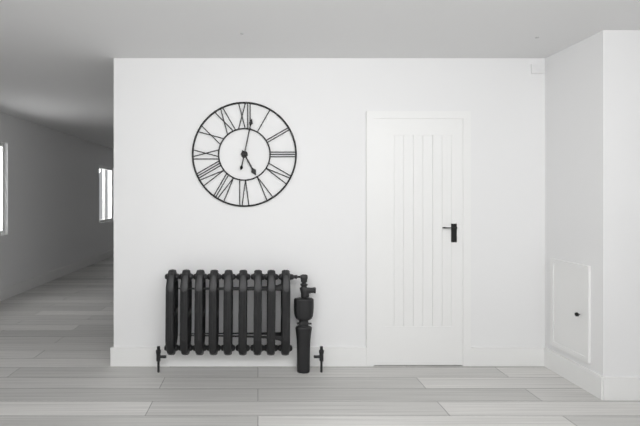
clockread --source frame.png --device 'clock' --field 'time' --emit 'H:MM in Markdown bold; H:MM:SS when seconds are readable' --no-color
**5:02**
